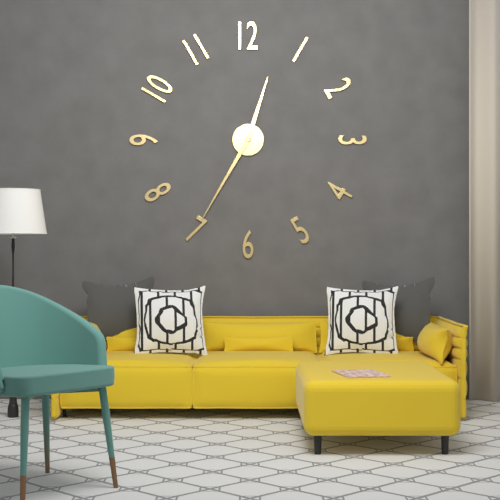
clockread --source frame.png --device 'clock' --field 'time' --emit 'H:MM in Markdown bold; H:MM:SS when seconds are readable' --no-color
**12:35**
